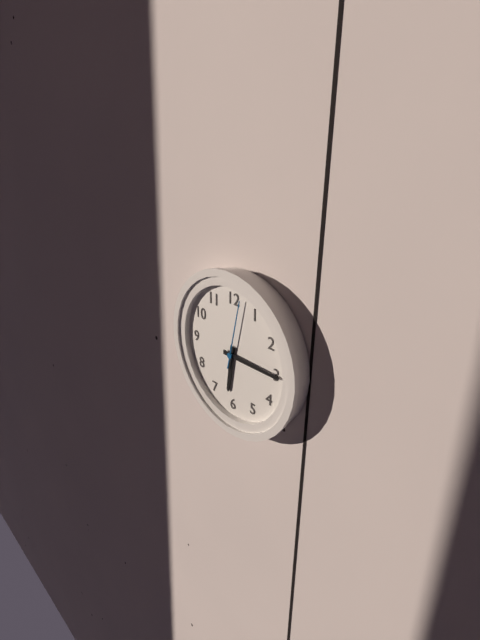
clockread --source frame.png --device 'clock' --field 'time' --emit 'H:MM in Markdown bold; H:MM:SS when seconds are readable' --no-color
**6:15:02**
